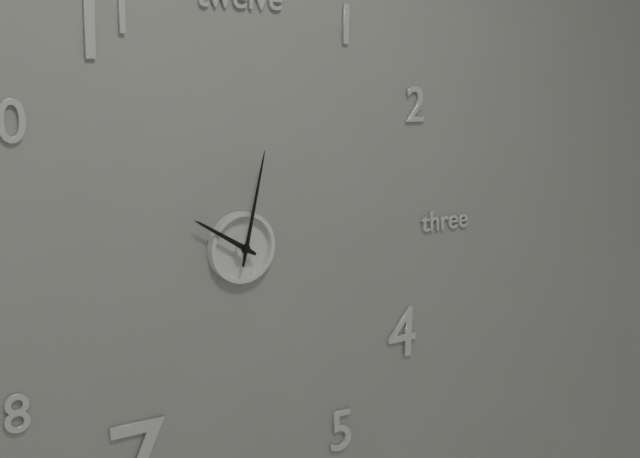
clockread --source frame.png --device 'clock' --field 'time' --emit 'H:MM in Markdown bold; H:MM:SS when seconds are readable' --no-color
**10:02**
